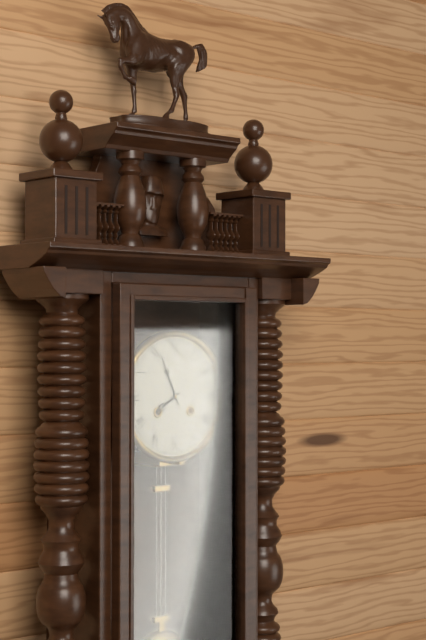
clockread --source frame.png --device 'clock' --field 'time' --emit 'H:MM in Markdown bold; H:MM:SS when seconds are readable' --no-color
**7:56**
